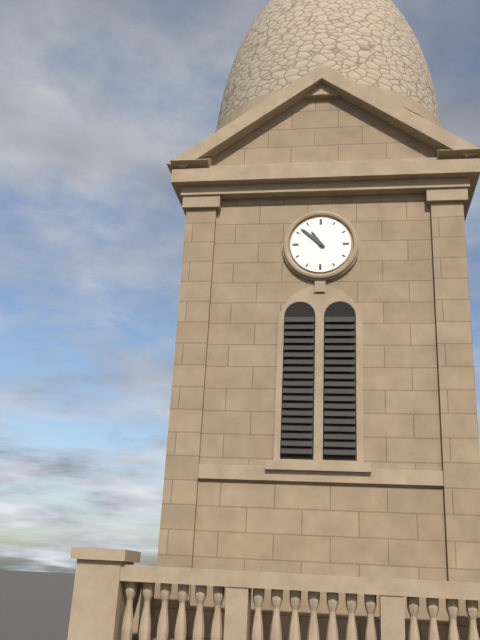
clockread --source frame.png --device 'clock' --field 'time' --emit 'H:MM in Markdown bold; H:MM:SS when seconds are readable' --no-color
**10:52**
